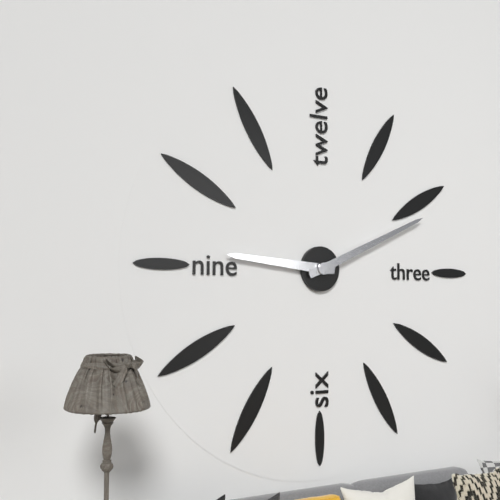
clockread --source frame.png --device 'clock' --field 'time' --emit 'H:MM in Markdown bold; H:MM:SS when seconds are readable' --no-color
**9:11**
